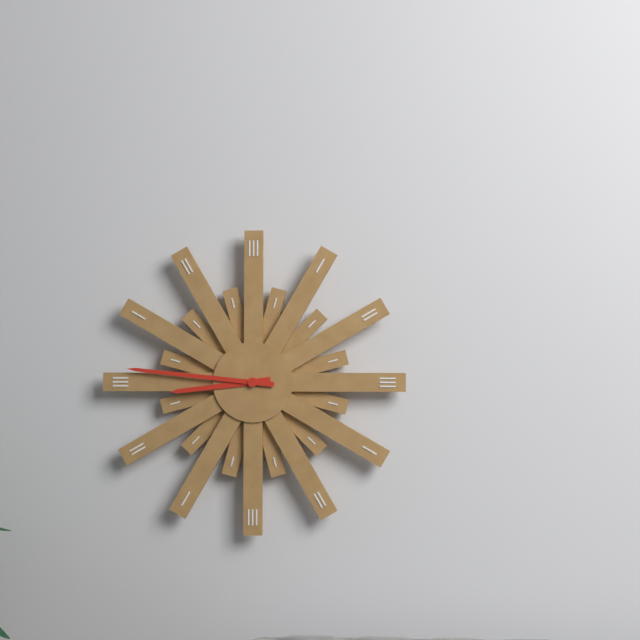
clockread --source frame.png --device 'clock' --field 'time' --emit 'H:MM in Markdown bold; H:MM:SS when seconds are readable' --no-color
**8:46**
